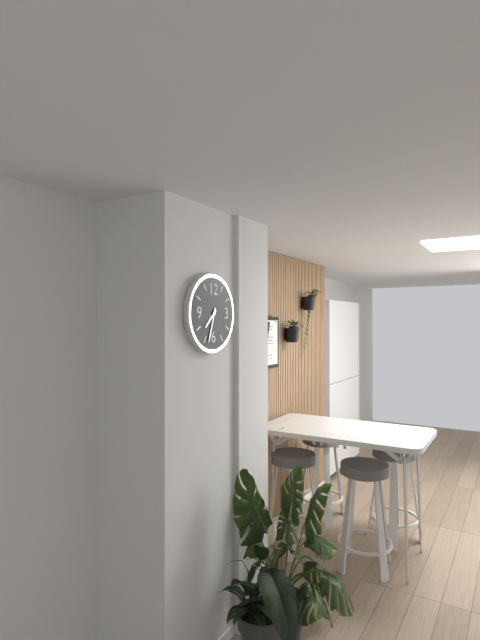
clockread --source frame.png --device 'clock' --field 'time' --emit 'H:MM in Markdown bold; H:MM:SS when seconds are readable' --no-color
**7:33**
